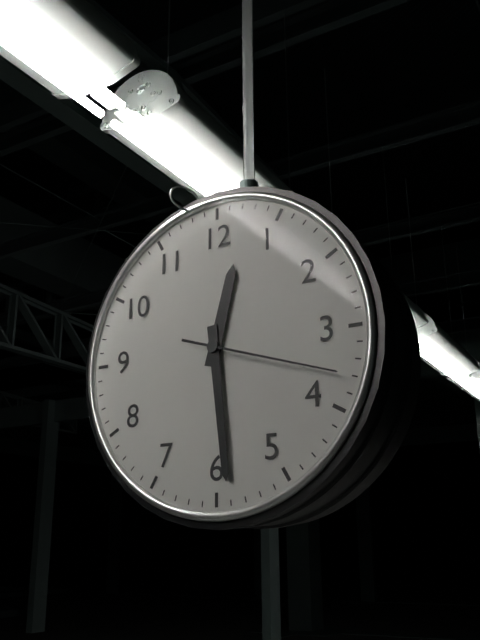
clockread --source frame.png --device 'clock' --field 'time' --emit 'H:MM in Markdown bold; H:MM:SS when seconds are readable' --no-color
**12:29:18**
